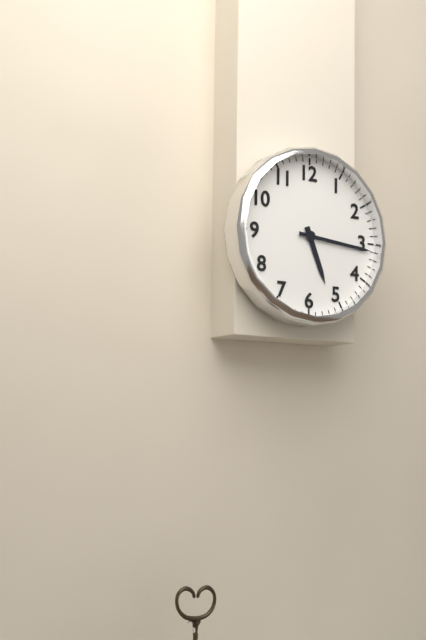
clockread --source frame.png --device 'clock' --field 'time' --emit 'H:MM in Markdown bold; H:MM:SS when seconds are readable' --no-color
**5:16**
